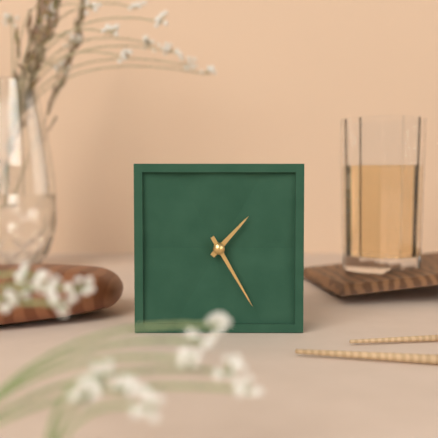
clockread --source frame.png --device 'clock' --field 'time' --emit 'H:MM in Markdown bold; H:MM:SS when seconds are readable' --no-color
**1:25**
